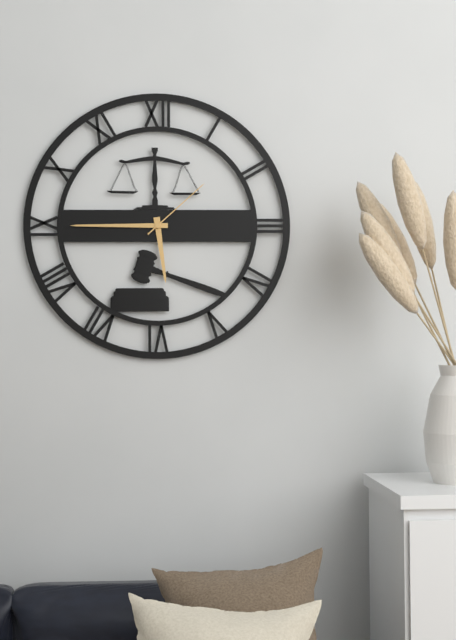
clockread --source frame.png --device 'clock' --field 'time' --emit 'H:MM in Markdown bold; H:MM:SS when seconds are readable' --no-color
**5:45:08**
